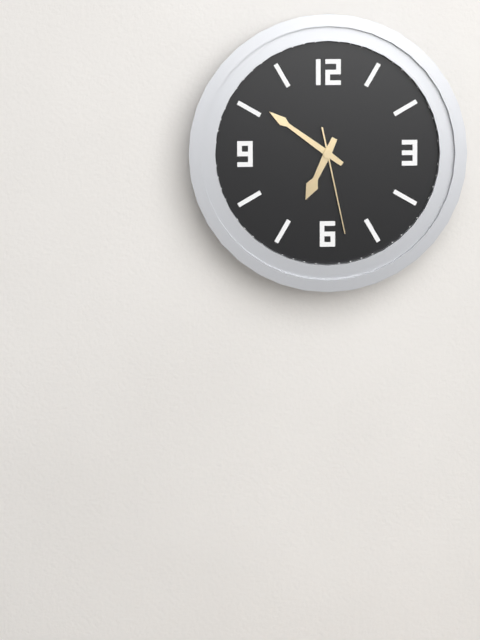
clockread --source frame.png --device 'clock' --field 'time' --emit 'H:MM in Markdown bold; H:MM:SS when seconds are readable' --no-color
**6:51:28**
